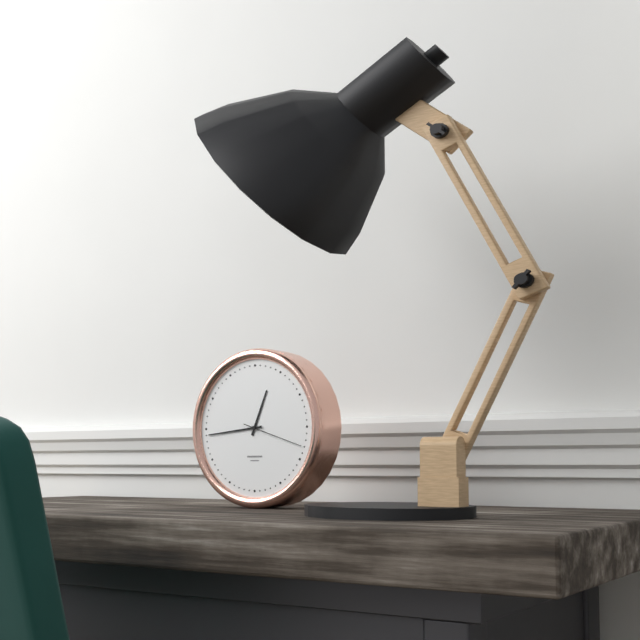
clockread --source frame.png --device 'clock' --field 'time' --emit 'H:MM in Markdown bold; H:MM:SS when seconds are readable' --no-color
**12:44:18**
